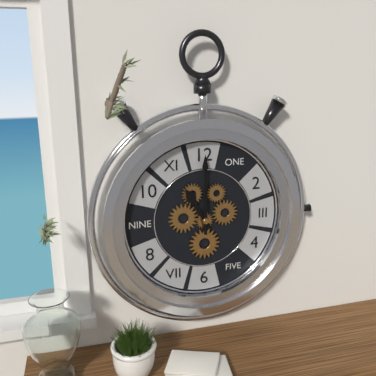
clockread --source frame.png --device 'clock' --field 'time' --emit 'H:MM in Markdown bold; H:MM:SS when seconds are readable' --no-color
**11:00**
